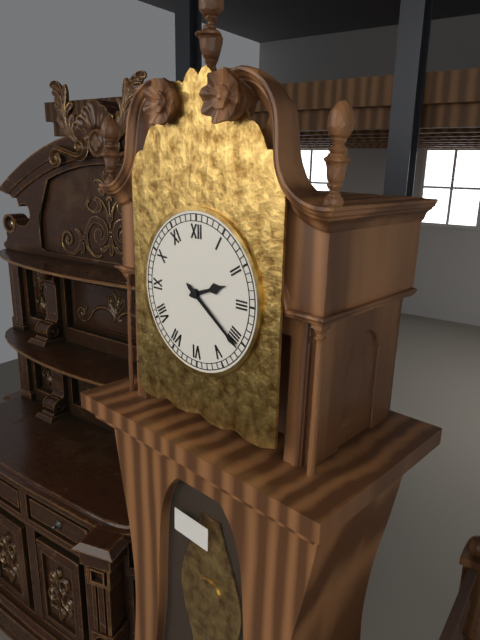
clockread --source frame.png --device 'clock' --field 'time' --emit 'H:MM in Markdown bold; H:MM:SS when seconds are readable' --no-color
**2:21**
